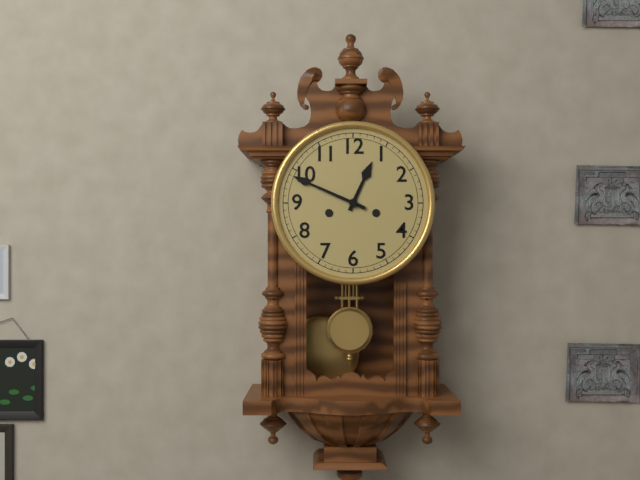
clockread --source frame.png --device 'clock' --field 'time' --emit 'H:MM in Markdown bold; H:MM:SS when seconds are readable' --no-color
**12:49**
